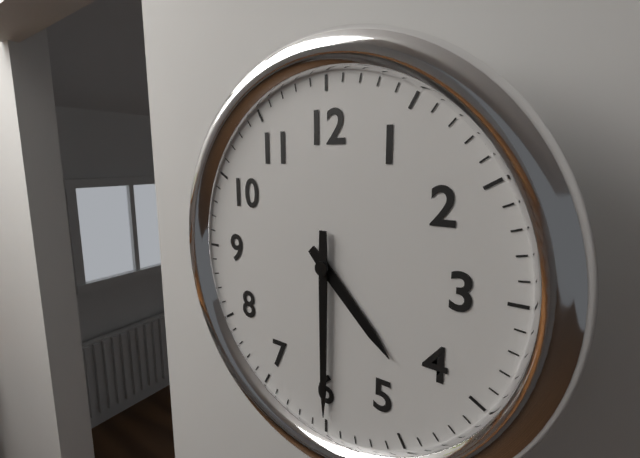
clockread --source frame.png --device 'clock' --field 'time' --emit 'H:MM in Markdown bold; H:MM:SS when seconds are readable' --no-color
**4:30**
